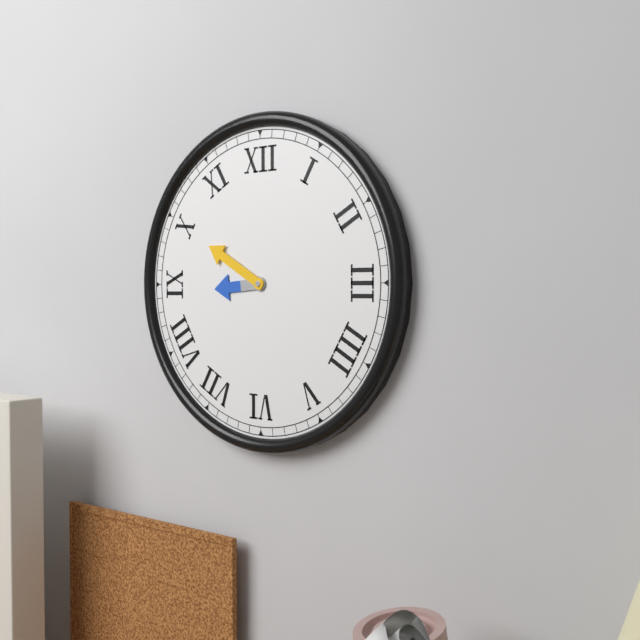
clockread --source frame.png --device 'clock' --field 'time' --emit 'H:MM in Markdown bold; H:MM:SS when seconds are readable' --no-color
**8:50**
